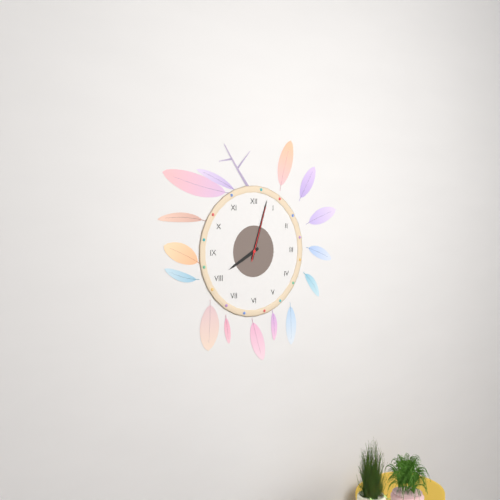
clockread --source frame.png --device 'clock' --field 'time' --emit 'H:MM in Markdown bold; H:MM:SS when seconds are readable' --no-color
**8:03:03**
